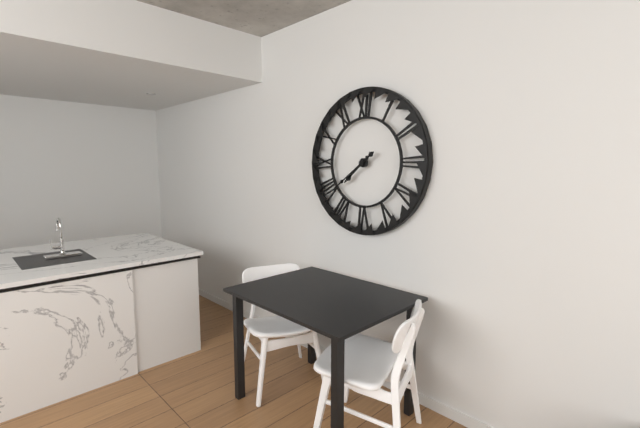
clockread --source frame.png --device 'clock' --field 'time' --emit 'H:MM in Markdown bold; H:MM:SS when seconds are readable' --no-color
**7:39**
